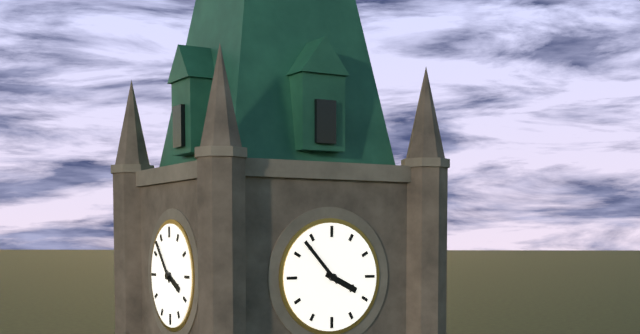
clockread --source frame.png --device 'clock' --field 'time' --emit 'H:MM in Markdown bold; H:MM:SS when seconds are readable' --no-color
**3:53**
